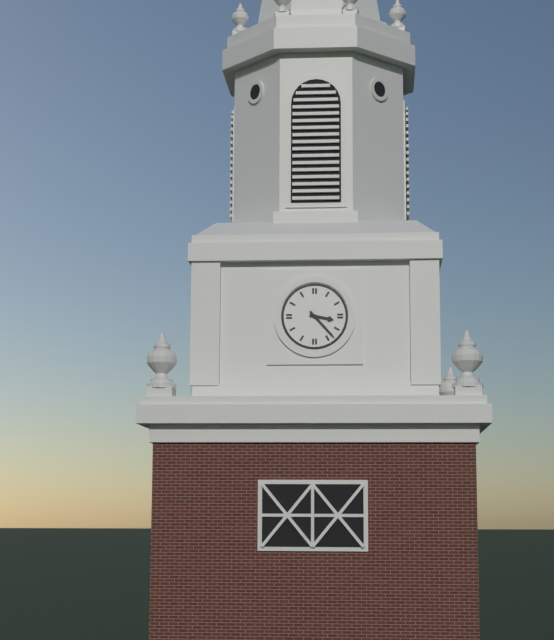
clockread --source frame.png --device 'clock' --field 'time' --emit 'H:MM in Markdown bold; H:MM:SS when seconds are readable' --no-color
**3:23**
